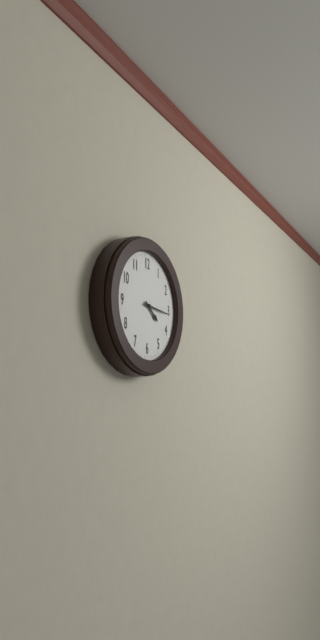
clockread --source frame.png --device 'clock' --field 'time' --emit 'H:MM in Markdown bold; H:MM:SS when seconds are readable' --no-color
**4:16**
